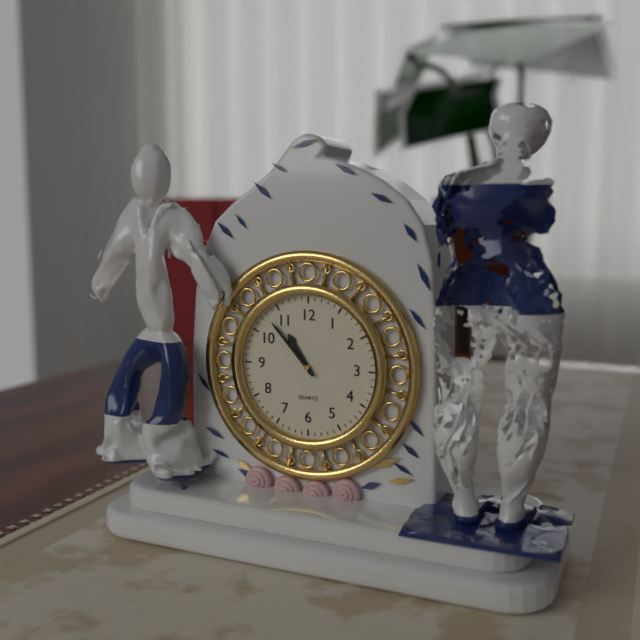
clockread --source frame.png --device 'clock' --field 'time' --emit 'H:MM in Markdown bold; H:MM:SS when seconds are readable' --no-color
**10:53**
